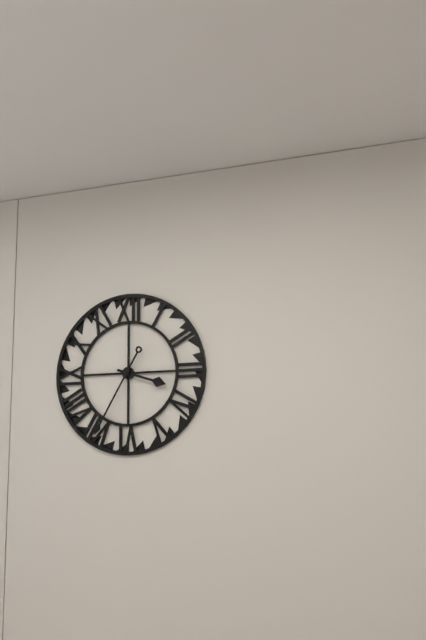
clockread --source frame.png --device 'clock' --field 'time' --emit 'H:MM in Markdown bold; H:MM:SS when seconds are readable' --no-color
**3:35**
